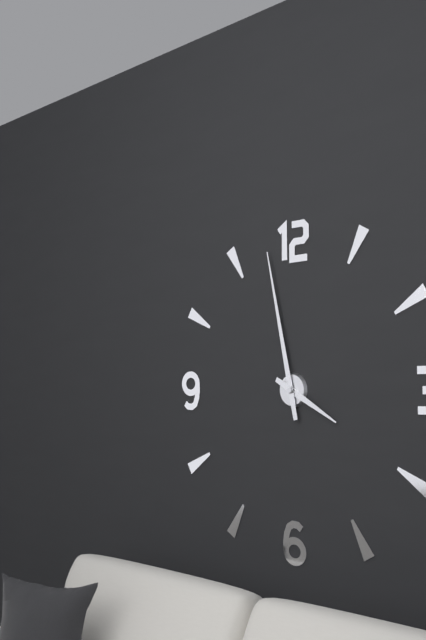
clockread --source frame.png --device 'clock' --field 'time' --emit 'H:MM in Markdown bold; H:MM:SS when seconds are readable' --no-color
**3:58**
